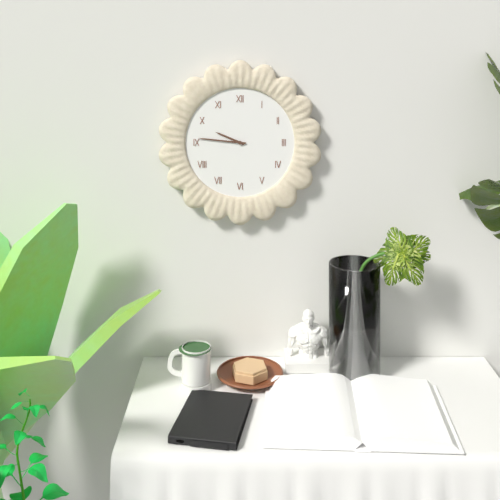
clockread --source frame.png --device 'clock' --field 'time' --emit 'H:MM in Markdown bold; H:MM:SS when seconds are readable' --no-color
**9:46**
